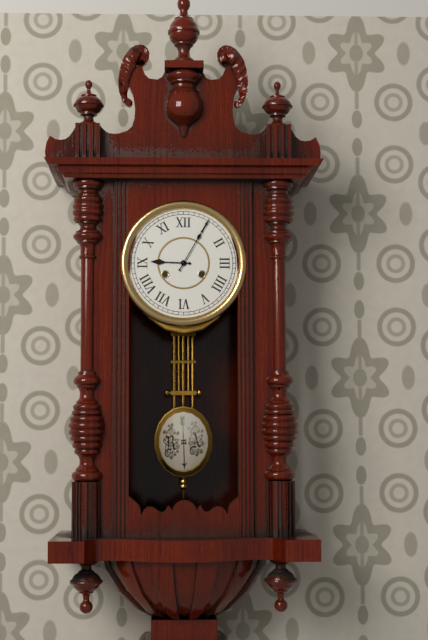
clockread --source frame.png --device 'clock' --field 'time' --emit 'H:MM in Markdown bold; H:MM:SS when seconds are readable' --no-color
**9:05**
